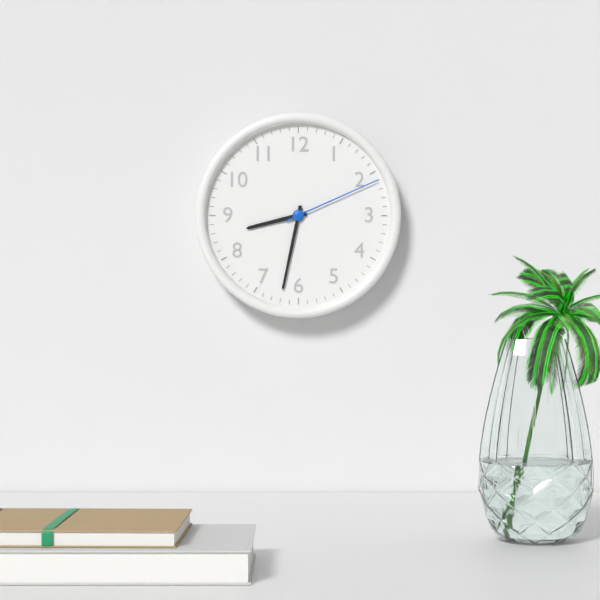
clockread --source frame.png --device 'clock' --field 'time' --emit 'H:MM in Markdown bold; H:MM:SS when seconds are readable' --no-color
**8:32:11**
